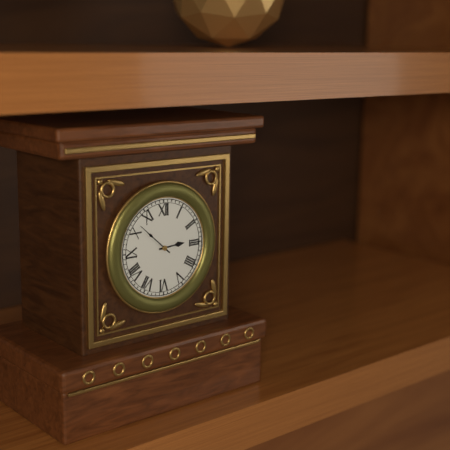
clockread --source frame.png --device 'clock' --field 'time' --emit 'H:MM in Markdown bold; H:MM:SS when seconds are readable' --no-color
**2:52**
